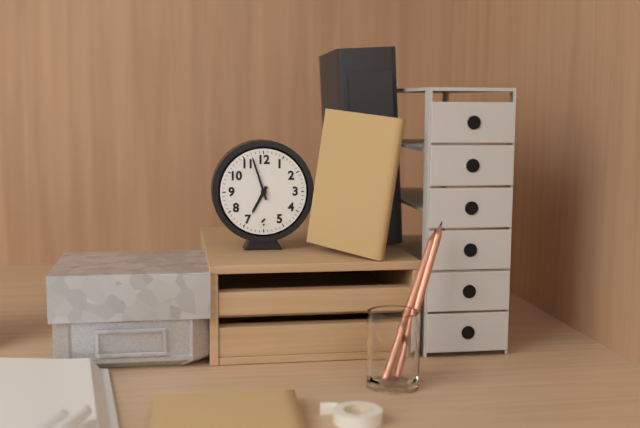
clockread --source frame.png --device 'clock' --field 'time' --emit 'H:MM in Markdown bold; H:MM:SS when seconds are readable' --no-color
**6:57**
